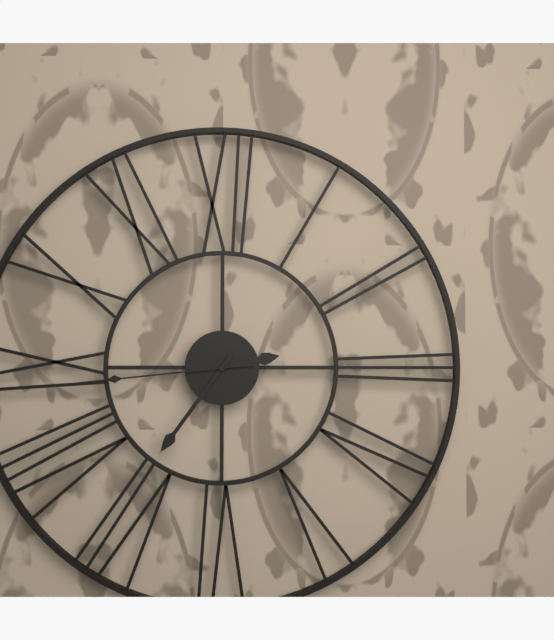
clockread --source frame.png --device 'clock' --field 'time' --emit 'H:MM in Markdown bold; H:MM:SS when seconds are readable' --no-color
**2:36:44**
